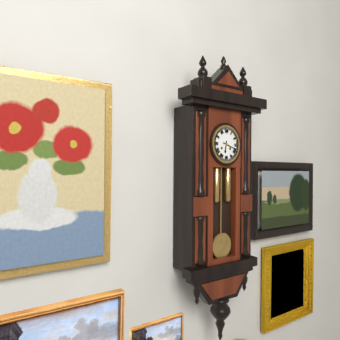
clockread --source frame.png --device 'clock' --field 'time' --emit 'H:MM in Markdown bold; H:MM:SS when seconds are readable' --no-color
**6:18**
